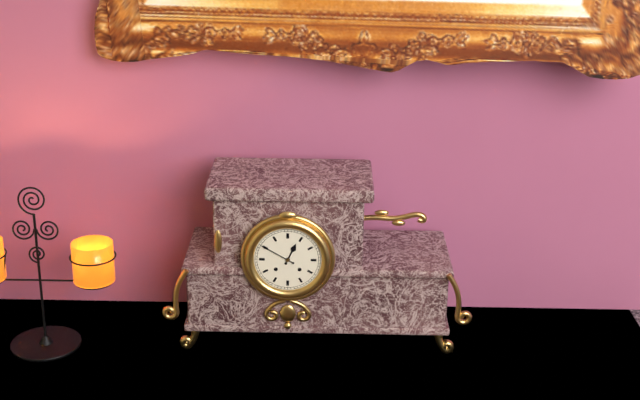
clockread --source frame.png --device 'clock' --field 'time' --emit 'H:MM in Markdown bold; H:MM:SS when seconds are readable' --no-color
**12:50**
